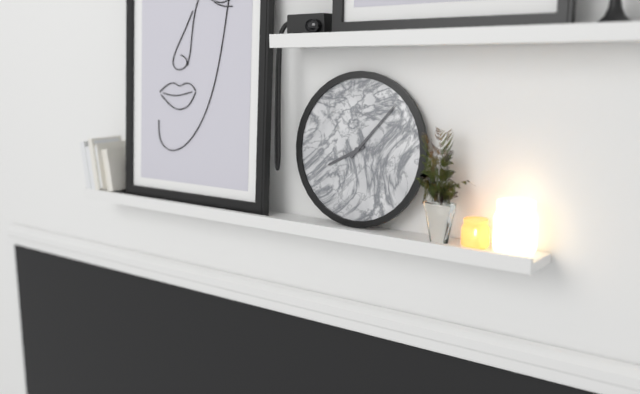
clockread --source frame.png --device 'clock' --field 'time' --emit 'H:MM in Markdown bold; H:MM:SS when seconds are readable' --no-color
**8:07**
